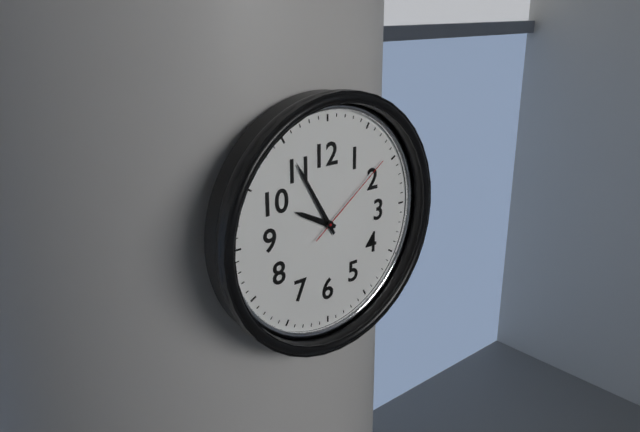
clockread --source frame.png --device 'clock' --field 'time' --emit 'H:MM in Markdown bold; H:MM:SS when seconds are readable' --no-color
**9:55:09**
